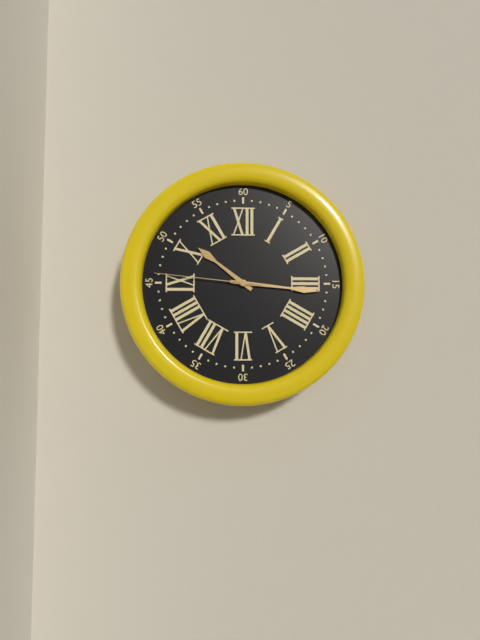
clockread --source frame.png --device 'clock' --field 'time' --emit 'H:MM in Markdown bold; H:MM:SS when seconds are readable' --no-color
**10:16:46**
